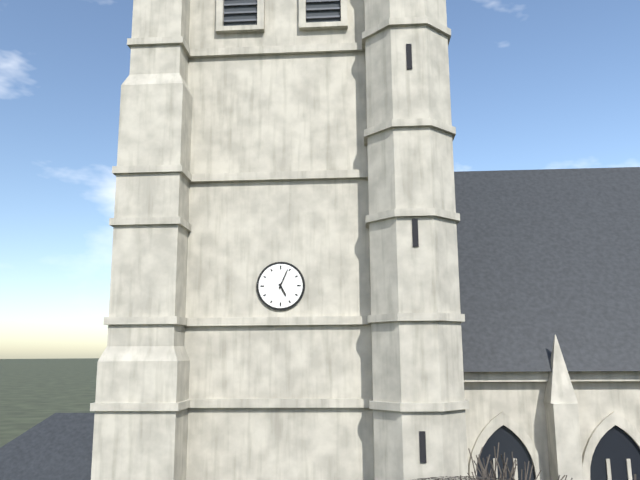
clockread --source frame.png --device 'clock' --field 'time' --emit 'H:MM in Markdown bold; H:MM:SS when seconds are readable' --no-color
**5:04**
